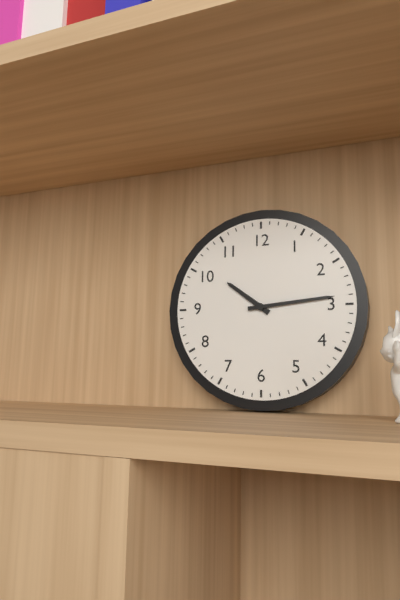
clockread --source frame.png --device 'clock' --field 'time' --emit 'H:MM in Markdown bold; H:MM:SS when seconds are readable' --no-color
**10:14**
